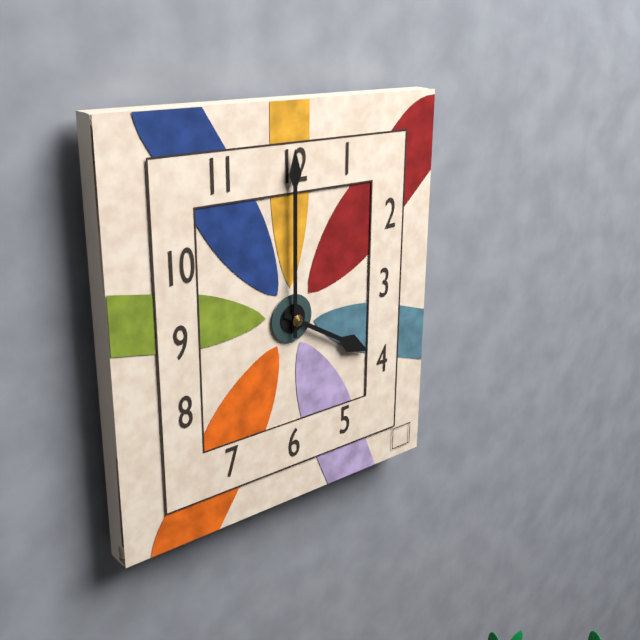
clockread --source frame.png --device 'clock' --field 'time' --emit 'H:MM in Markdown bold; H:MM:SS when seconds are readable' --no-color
**4:00**
